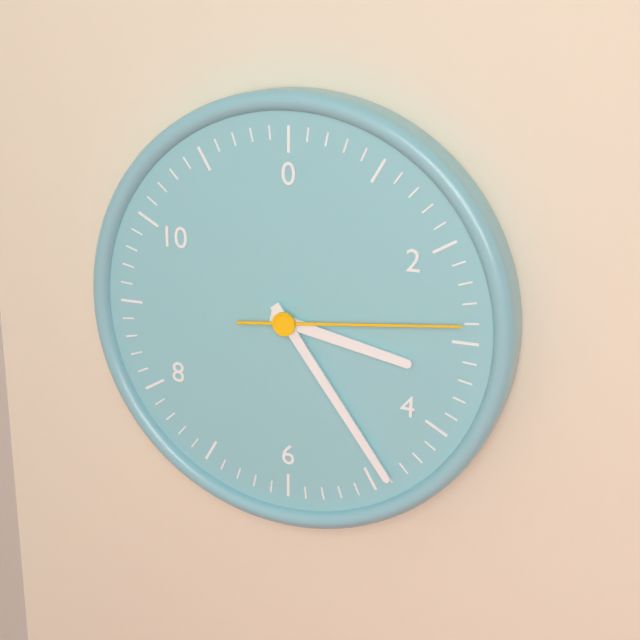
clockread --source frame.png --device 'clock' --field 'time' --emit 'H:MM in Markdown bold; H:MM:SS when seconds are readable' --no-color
**3:24:14**
